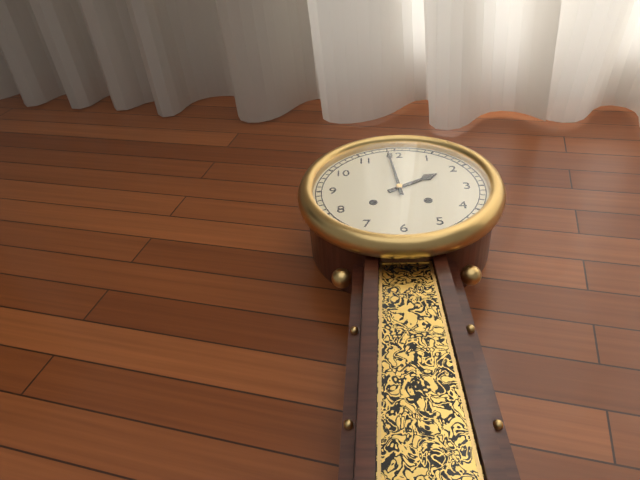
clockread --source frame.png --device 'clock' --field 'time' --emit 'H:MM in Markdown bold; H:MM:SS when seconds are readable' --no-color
**1:59**
